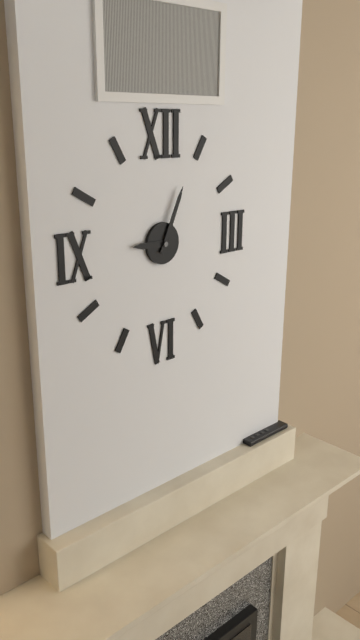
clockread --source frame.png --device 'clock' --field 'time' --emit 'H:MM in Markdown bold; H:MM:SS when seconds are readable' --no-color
**9:04**
